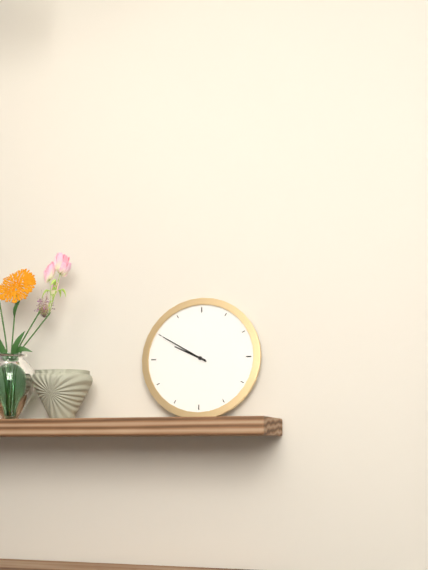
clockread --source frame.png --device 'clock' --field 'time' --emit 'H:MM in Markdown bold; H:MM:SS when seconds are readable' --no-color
**9:50**
